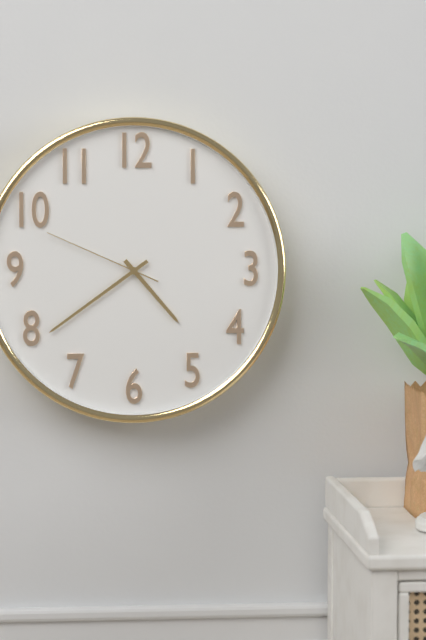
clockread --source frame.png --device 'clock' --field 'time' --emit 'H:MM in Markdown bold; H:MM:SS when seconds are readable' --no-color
**4:39:49**
